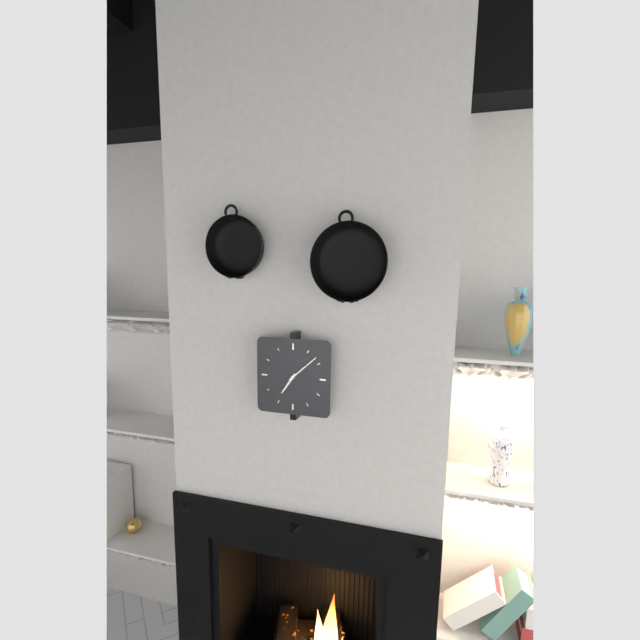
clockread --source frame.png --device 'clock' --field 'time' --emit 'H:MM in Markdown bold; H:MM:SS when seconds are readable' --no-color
**7:08**
